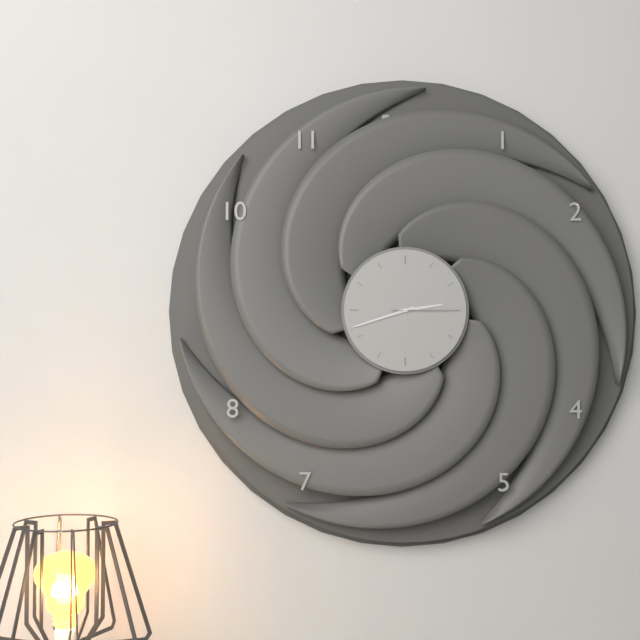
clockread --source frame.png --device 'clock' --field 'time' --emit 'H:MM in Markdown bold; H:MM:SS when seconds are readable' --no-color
**2:42:15**
